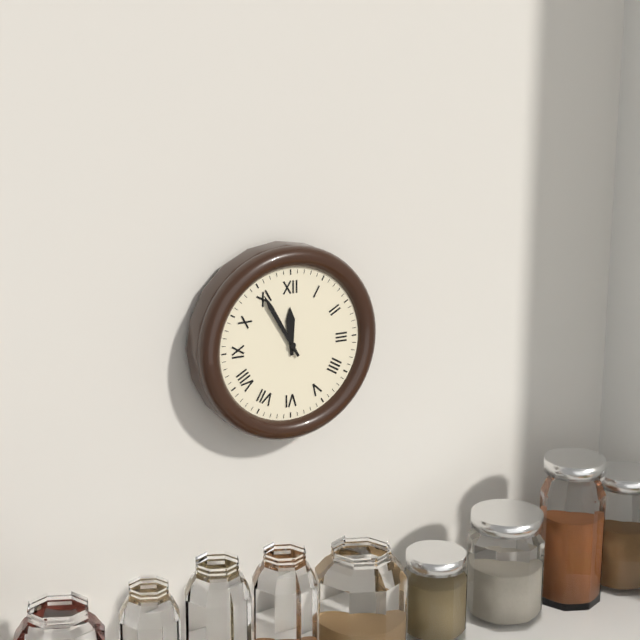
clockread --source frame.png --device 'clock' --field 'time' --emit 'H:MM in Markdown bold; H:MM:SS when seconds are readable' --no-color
**11:55**
